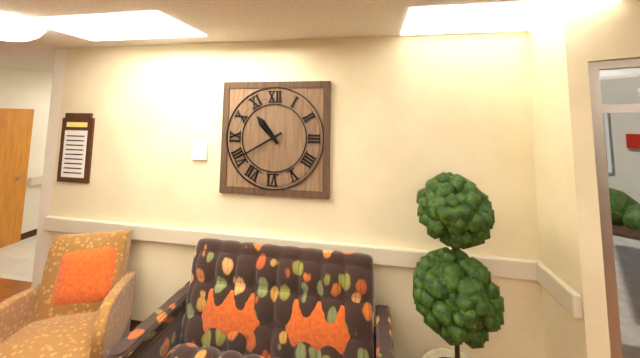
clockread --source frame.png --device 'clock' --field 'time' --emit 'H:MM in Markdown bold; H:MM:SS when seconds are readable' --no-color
**10:40**
